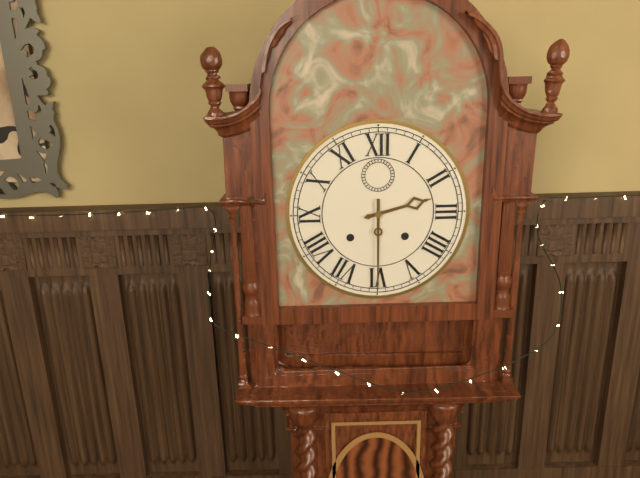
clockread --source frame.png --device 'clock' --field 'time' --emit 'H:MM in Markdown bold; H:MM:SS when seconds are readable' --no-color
**2:30**
